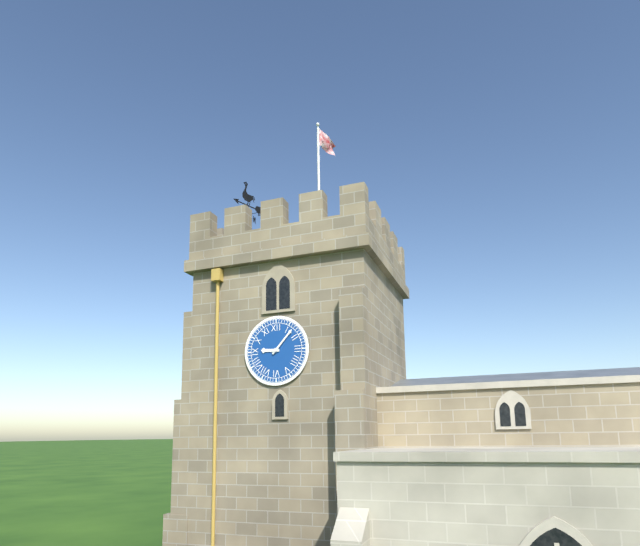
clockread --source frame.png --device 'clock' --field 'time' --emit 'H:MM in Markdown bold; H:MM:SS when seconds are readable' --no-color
**9:07**
